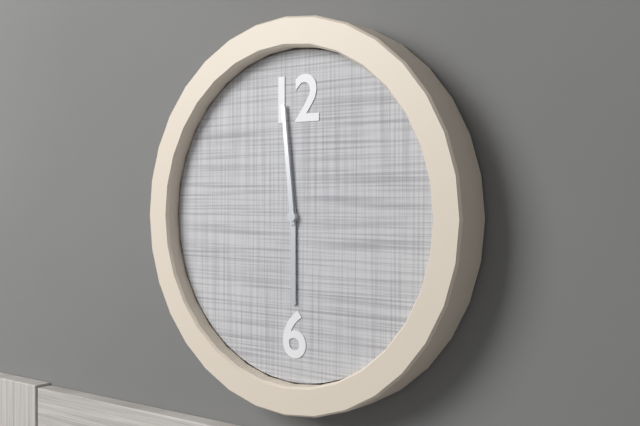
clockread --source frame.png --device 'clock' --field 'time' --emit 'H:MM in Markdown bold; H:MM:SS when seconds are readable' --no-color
**5:59**
